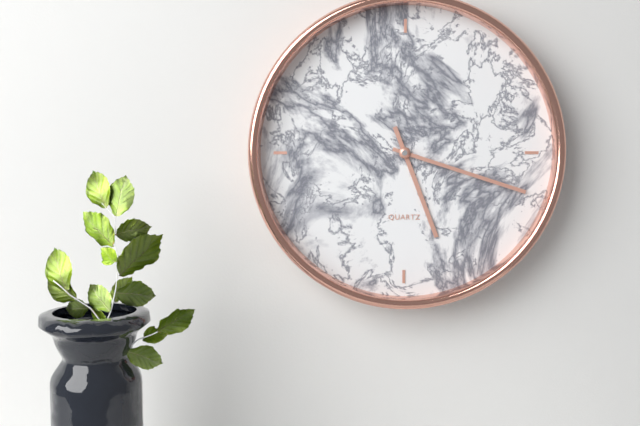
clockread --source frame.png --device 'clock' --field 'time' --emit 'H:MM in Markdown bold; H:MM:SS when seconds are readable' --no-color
**5:18**
